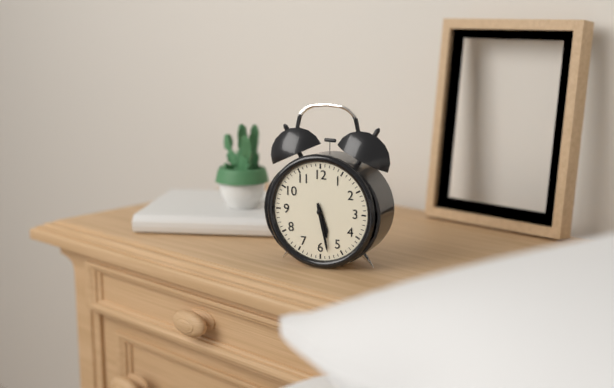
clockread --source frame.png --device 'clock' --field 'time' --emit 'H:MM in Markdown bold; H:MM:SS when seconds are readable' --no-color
**5:28**
